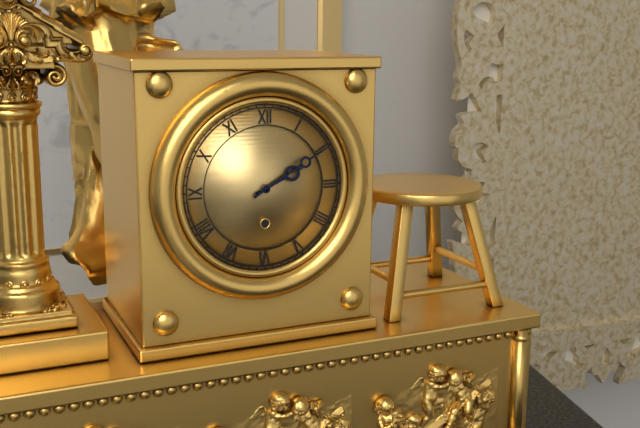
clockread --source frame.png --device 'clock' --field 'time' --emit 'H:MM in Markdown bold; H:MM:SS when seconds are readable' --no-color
**2:10**
